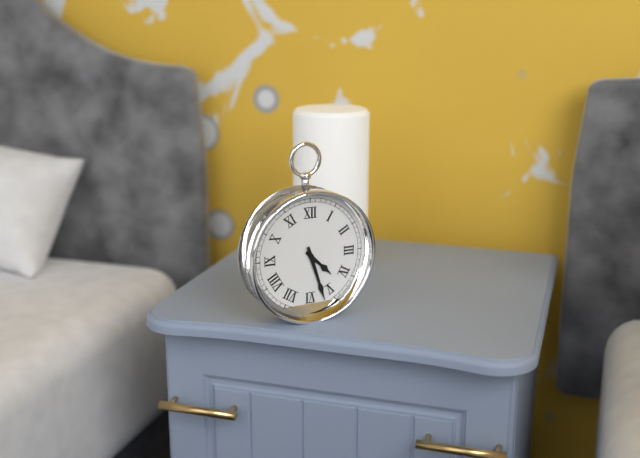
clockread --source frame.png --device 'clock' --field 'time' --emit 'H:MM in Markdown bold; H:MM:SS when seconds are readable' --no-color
**4:27**
